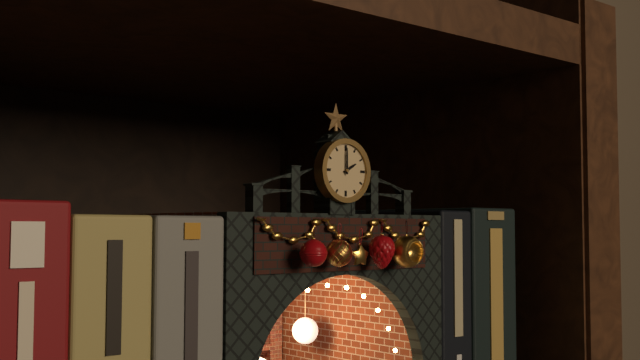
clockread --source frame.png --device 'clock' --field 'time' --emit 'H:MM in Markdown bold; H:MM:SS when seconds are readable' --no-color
**2:00**
